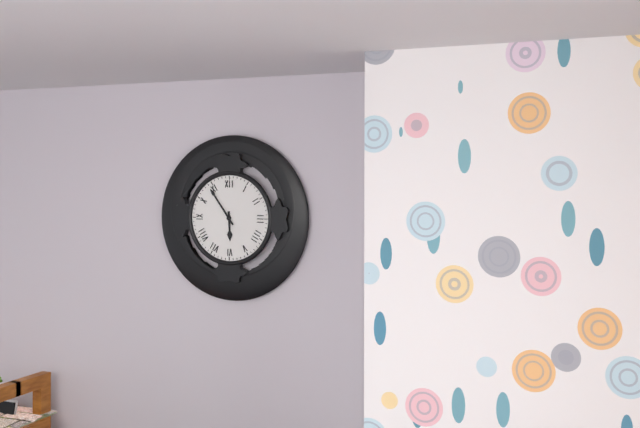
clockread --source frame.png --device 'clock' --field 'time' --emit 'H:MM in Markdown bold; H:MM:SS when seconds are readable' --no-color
**5:54**
